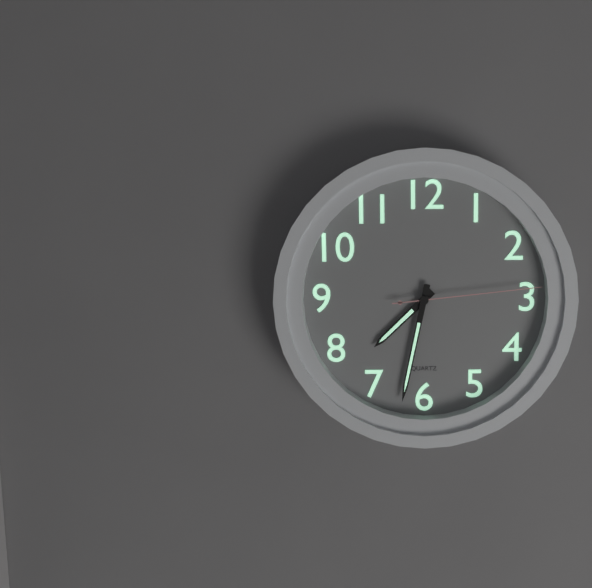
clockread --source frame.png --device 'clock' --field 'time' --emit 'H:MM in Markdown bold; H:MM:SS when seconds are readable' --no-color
**7:32:14**
